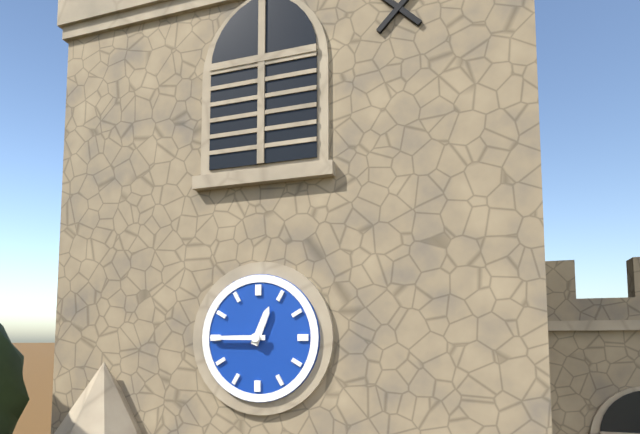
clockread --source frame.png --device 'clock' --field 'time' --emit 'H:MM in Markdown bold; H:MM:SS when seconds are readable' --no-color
**12:45**
